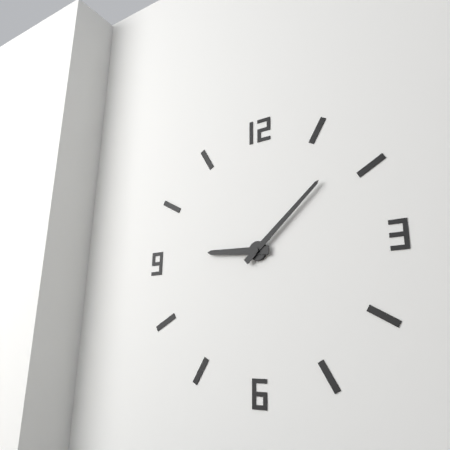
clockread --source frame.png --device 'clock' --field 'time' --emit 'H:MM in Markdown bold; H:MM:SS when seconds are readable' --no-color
**9:08**
